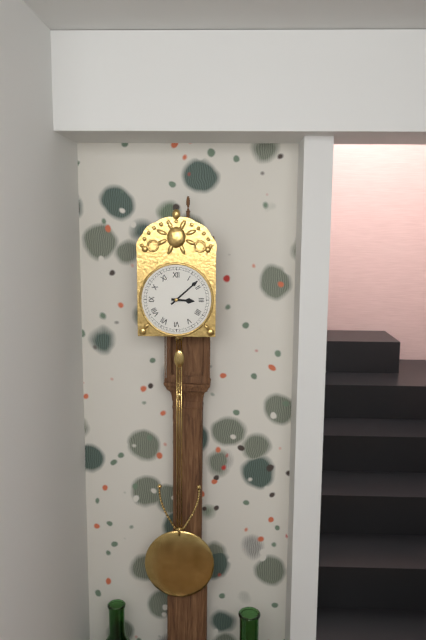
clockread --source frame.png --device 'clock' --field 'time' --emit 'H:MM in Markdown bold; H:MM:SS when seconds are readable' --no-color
**3:08**
